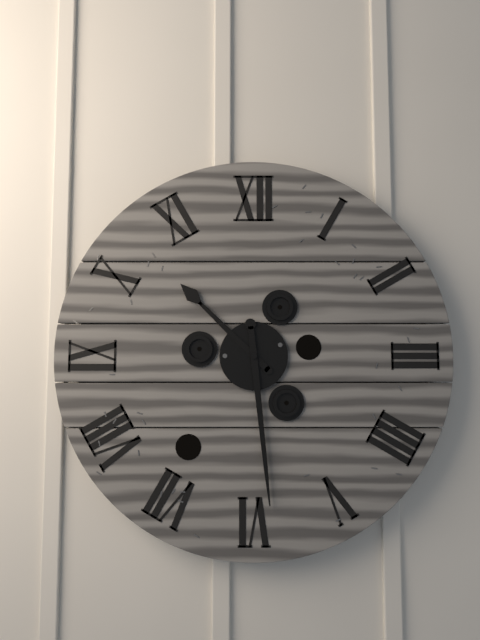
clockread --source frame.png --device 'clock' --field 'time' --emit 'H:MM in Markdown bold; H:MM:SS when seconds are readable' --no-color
**10:29**
